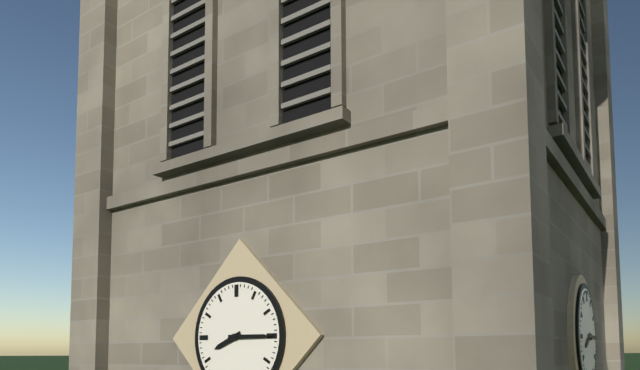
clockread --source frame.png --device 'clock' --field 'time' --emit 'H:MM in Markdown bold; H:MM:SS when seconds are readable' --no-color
**8:15**
